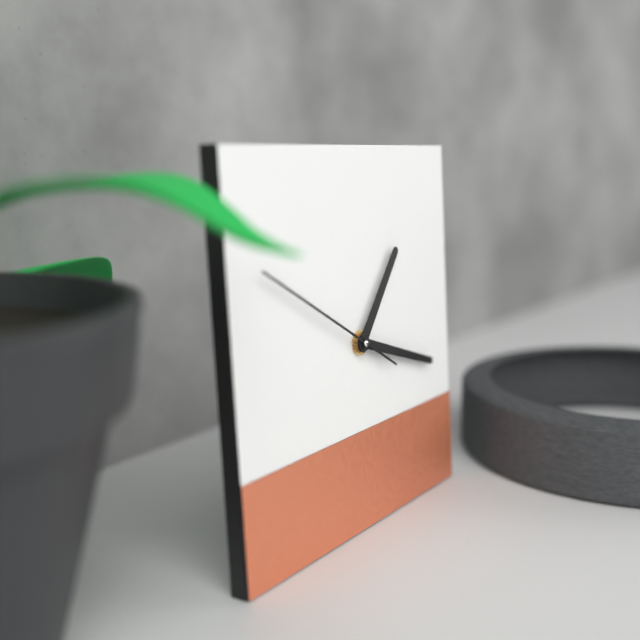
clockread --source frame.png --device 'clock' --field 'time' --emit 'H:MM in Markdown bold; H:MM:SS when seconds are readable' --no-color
**1:18:50**
